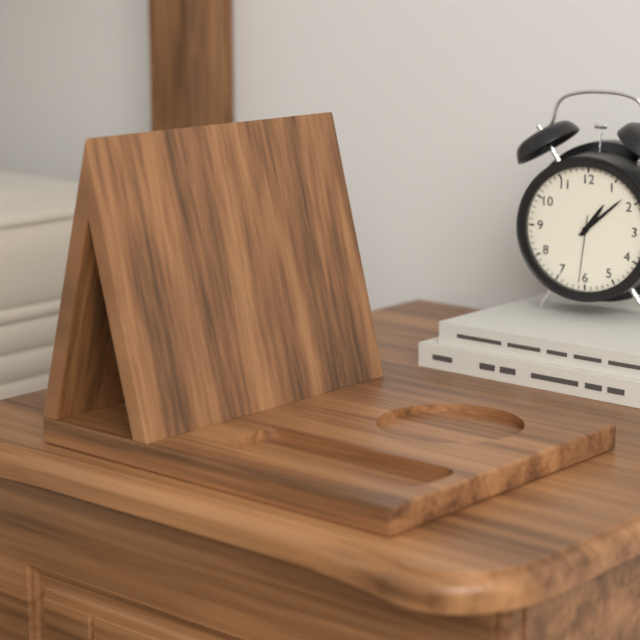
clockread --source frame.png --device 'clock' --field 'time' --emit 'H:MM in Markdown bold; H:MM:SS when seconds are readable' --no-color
**1:08:31**
